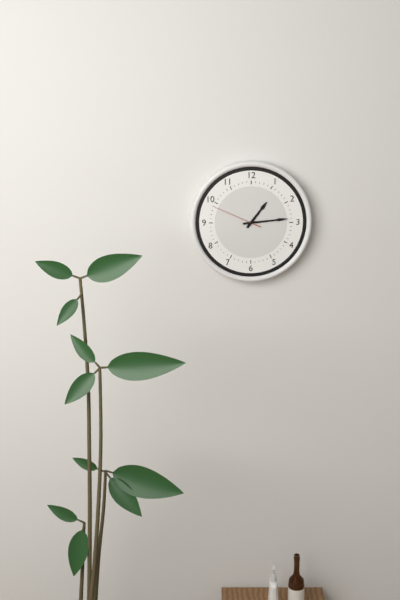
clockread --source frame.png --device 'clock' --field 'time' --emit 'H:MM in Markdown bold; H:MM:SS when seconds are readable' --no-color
**1:14:49**
